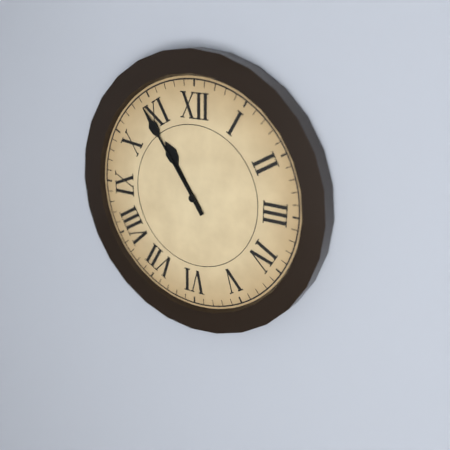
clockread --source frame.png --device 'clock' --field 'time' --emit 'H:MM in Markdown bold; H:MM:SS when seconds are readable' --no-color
**10:54**
